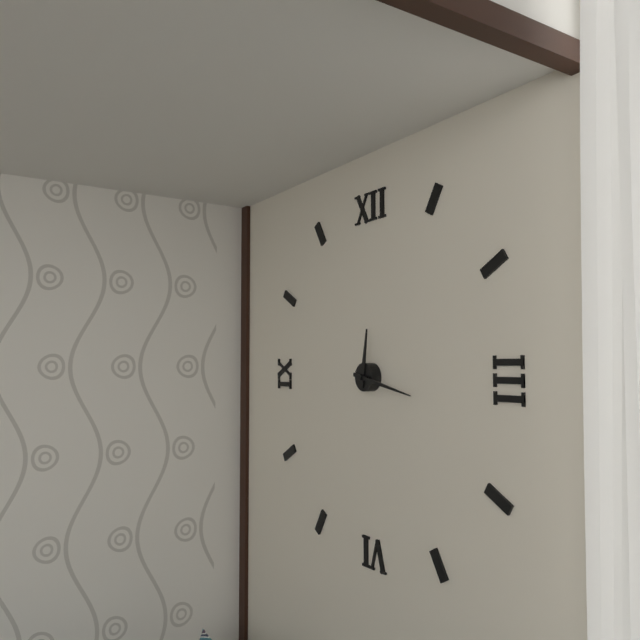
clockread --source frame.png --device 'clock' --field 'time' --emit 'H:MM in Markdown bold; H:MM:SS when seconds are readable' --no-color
**12:17**
